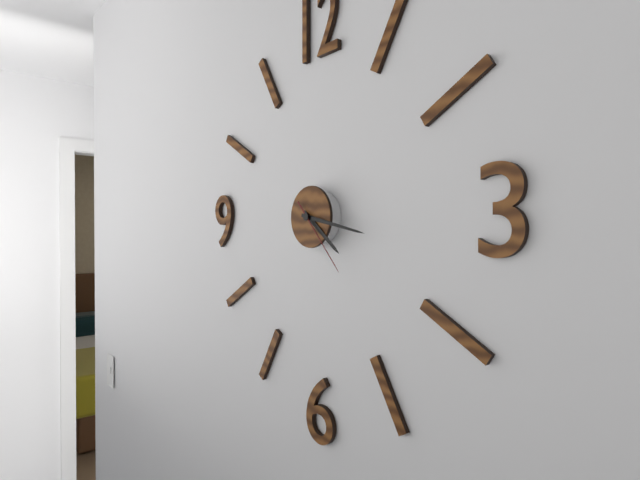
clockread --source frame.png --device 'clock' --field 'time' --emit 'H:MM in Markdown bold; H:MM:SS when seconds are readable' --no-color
**4:17:23**
